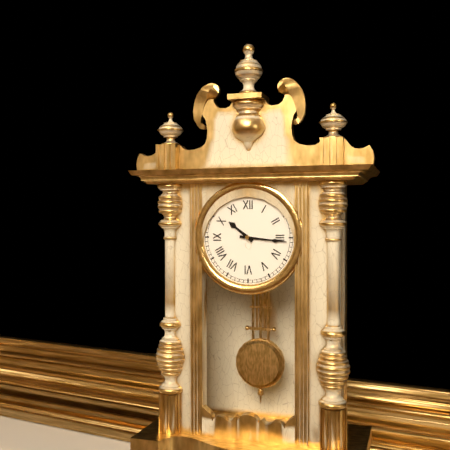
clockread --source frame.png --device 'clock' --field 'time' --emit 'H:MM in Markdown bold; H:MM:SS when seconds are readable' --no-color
**10:16**
